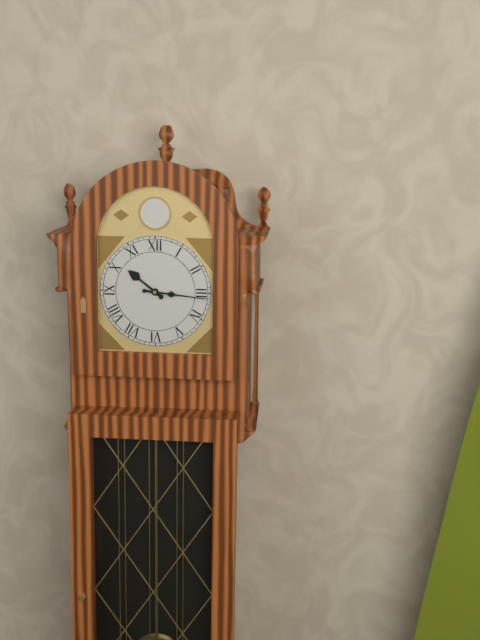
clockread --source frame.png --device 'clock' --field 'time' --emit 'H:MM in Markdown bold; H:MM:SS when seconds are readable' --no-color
**10:16**
